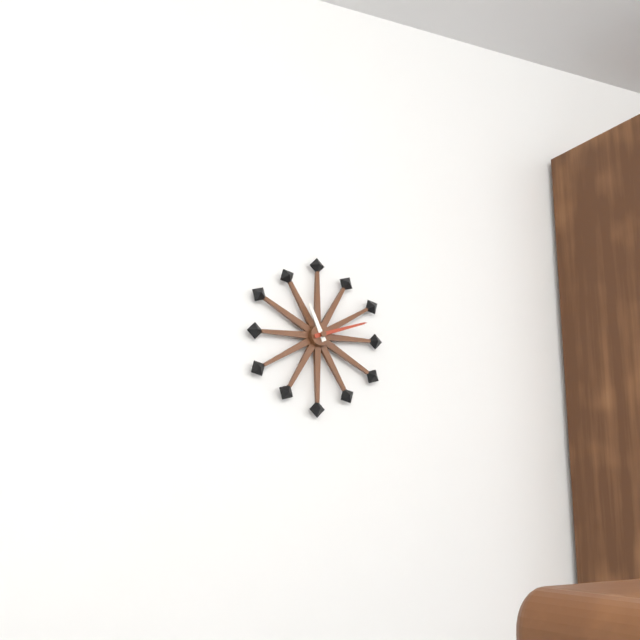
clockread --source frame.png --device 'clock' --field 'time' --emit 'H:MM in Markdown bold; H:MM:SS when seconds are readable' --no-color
**11:12**
